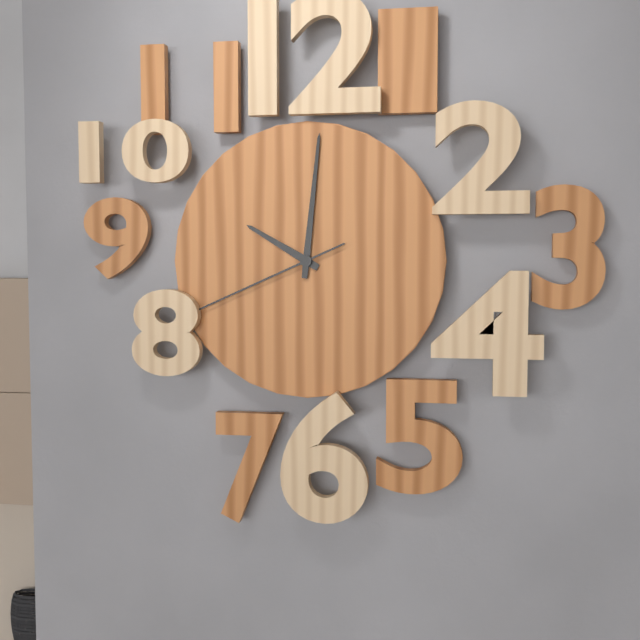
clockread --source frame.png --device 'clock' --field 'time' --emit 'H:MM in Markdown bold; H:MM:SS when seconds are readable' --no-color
**10:01:41**
